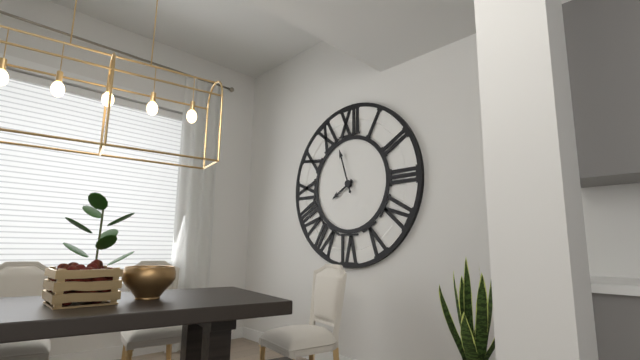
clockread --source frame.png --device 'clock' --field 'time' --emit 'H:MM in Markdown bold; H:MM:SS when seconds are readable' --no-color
**7:57**
